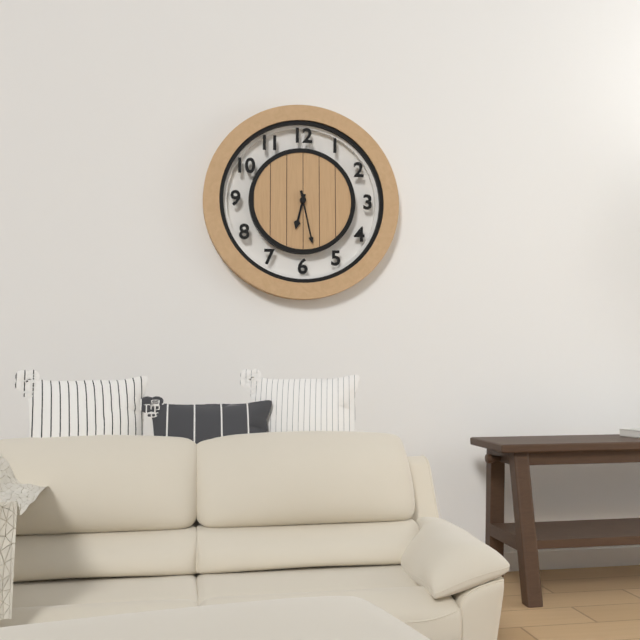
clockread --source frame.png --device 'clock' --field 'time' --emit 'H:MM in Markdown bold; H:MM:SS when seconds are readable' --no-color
**6:28**
